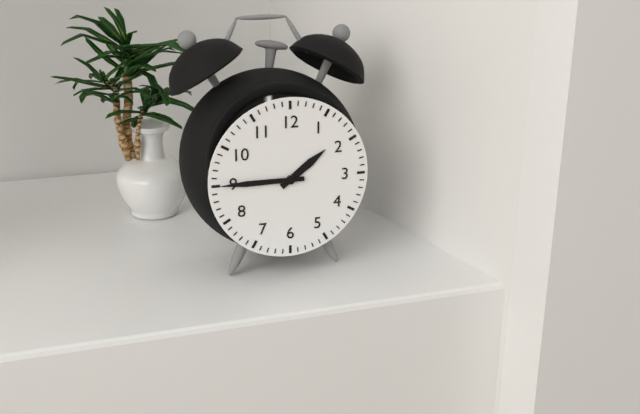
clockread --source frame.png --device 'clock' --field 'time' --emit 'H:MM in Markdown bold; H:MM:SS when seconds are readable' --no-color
**1:45**
